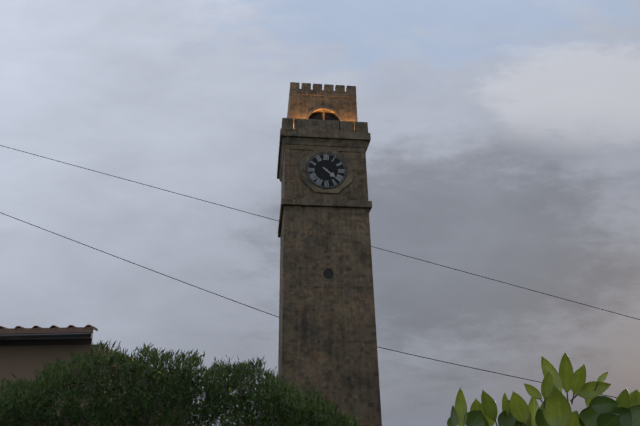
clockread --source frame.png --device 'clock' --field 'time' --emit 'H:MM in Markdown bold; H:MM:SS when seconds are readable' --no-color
**4:22**
